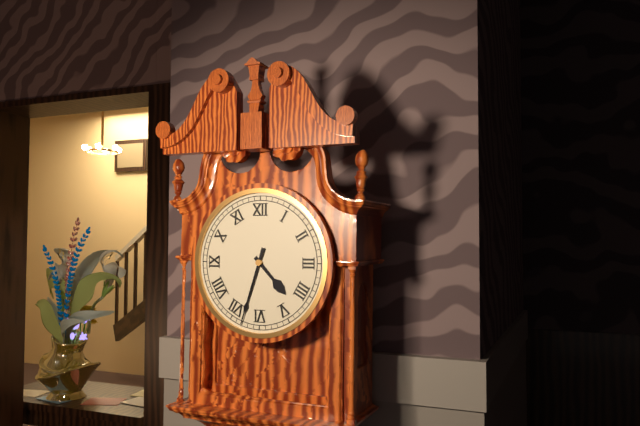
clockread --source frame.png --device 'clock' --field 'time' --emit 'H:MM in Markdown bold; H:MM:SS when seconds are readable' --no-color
**4:33**
